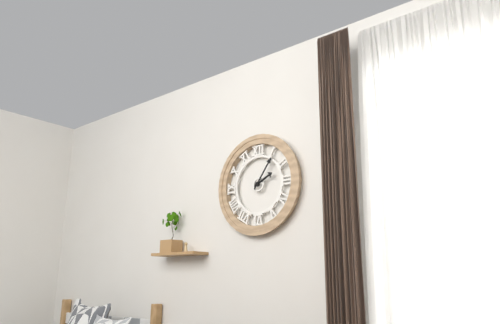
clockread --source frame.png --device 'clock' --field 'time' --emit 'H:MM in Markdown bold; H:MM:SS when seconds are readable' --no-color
**2:06**
